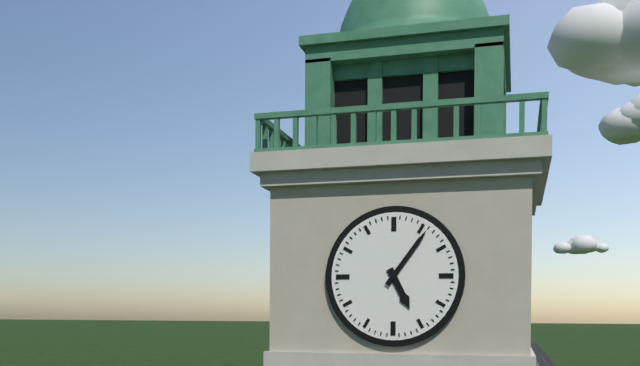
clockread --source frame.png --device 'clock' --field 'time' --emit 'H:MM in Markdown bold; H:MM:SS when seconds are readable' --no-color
**5:06**
